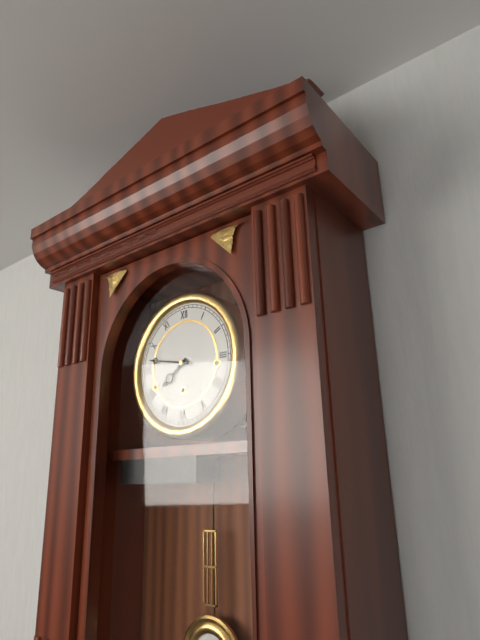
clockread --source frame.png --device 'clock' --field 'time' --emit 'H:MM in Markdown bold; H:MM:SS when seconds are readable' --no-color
**7:47**
